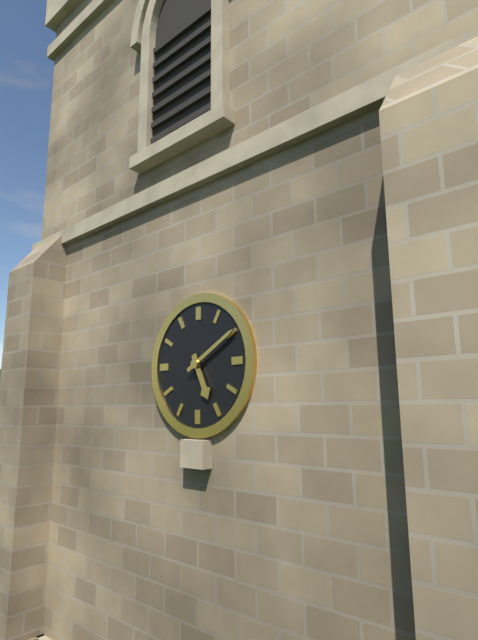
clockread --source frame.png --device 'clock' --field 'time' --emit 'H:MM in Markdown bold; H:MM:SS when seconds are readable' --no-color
**5:10**
